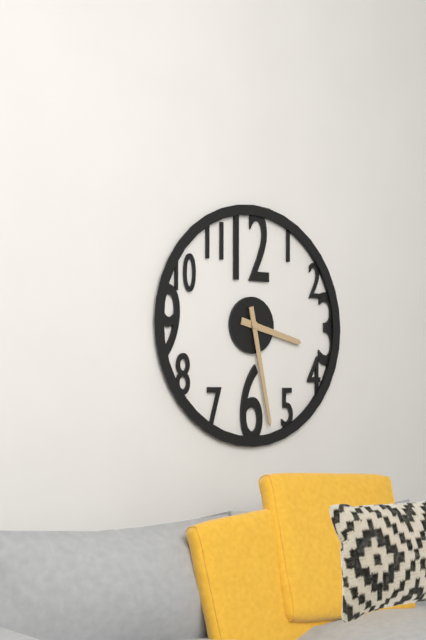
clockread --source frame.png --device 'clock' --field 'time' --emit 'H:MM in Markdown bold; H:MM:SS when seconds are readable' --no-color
**3:28**
